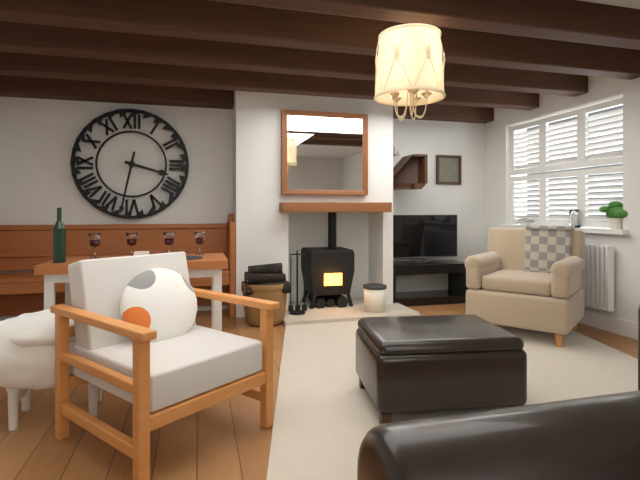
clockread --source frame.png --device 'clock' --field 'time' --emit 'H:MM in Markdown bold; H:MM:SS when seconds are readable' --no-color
**3:32**
